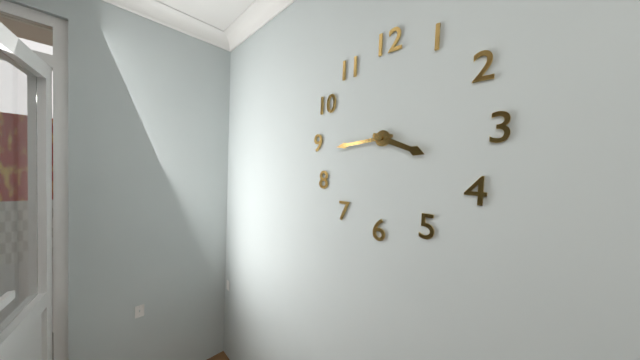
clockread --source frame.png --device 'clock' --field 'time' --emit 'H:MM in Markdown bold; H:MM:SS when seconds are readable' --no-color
**3:44**
